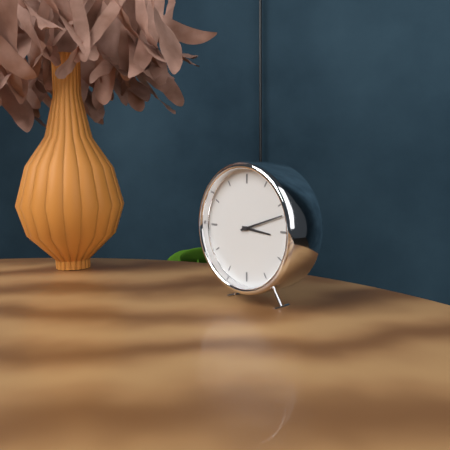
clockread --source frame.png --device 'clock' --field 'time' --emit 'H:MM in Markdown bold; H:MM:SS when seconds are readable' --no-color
**3:12**
